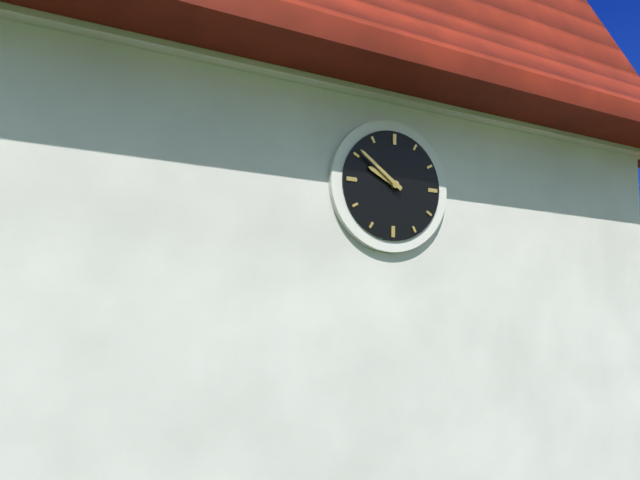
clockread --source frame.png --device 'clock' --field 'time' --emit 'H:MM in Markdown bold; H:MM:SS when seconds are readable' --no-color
**9:51**
